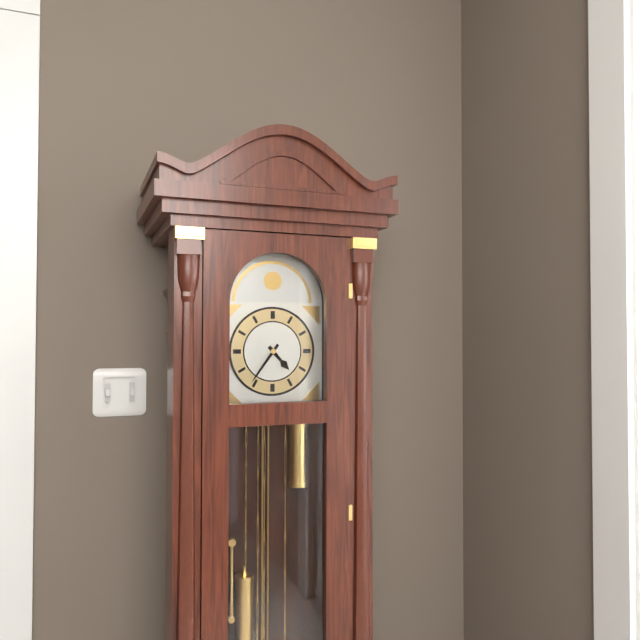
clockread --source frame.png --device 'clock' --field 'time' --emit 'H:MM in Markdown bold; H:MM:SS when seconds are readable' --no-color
**4:36**
